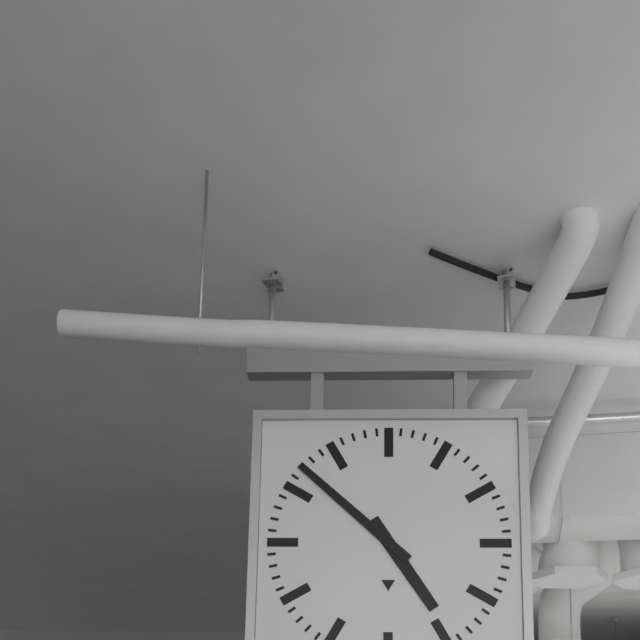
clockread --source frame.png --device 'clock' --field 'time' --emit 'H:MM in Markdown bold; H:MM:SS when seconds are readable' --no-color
**4:52**
